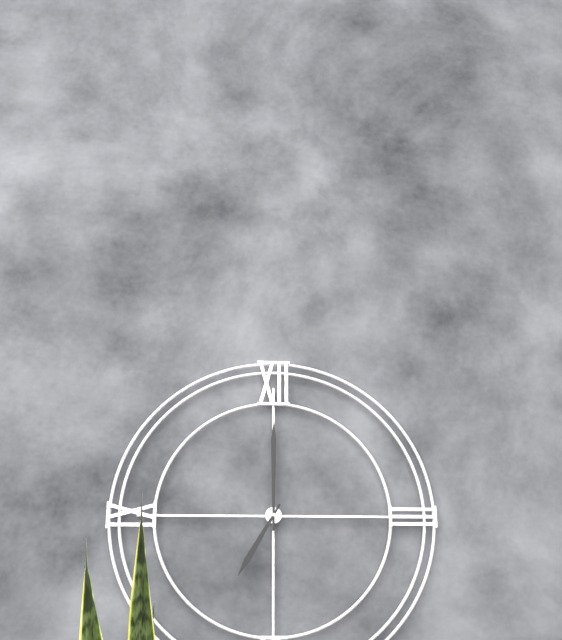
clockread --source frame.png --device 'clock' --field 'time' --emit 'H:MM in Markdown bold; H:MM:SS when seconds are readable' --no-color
**7:00**
